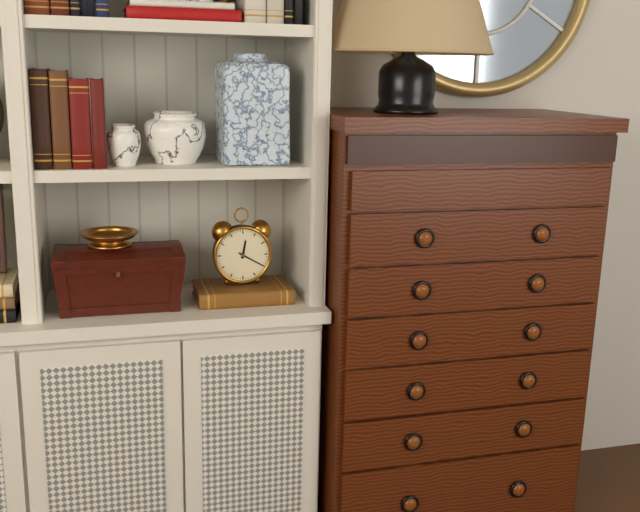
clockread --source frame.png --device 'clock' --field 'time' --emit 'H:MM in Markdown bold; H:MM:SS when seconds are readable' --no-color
**12:20**
